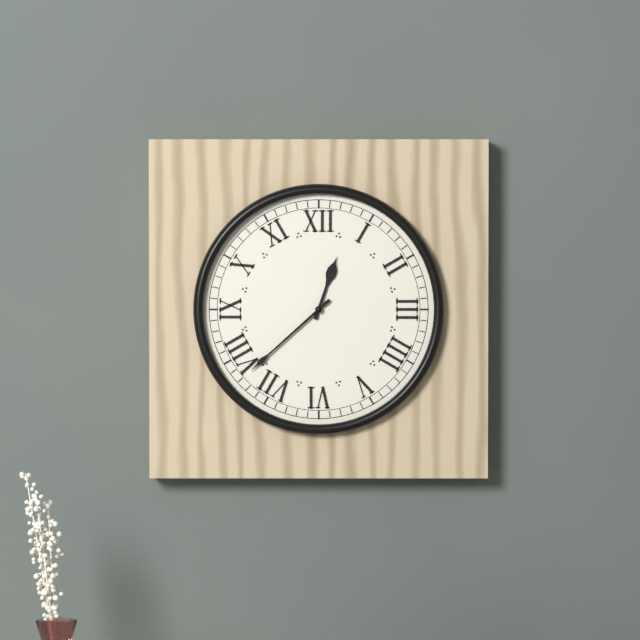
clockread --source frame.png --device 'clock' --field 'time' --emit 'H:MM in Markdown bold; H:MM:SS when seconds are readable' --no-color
**12:38**
